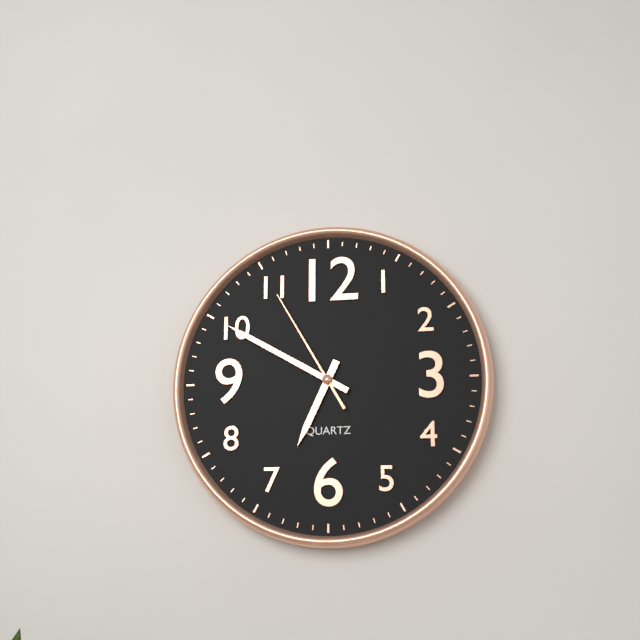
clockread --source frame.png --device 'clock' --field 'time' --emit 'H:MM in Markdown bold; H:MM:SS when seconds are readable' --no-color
**6:50:55**
